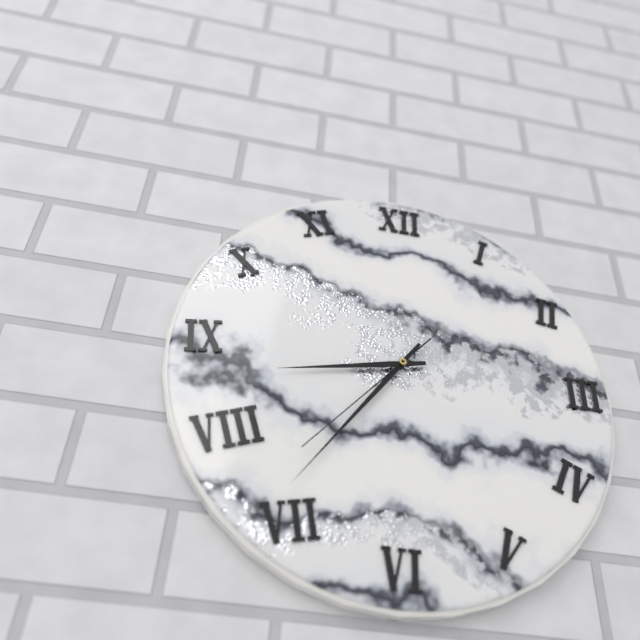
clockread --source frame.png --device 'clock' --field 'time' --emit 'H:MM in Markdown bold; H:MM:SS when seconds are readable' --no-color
**8:36:37**
